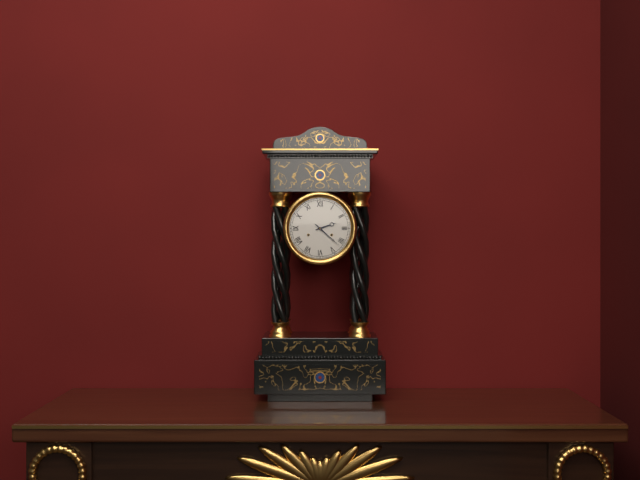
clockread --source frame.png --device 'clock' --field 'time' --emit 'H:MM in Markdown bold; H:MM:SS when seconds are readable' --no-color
**2:22**
